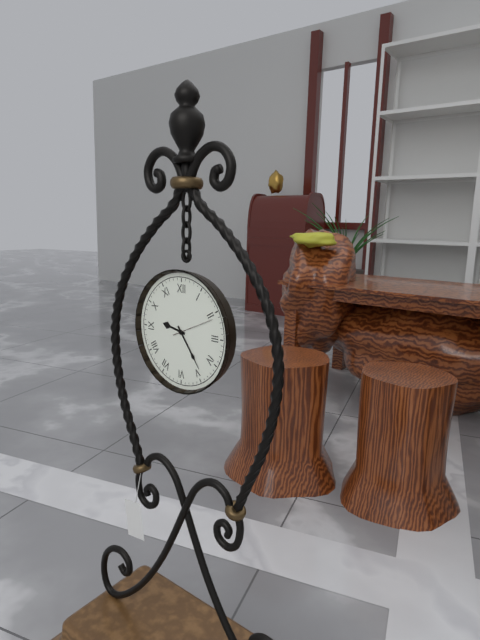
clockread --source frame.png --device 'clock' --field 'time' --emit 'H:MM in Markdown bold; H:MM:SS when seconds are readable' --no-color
**9:24**
